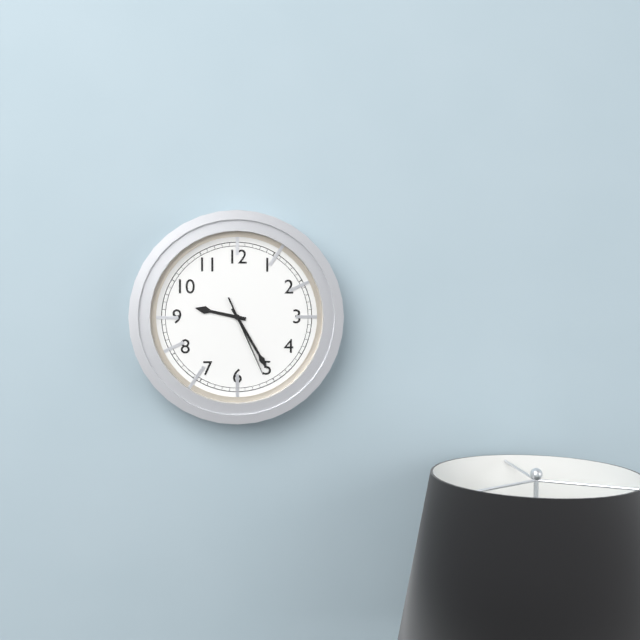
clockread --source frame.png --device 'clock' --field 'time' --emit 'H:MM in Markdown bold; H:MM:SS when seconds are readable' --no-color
**9:25:26**
